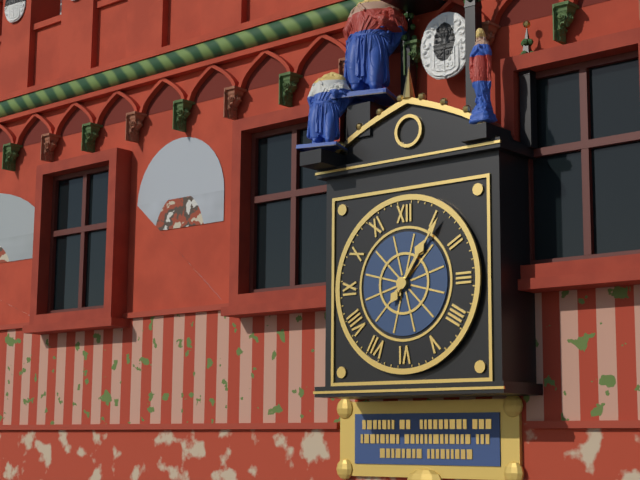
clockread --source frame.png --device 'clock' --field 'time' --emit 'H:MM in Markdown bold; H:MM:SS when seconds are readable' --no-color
**1:06**
